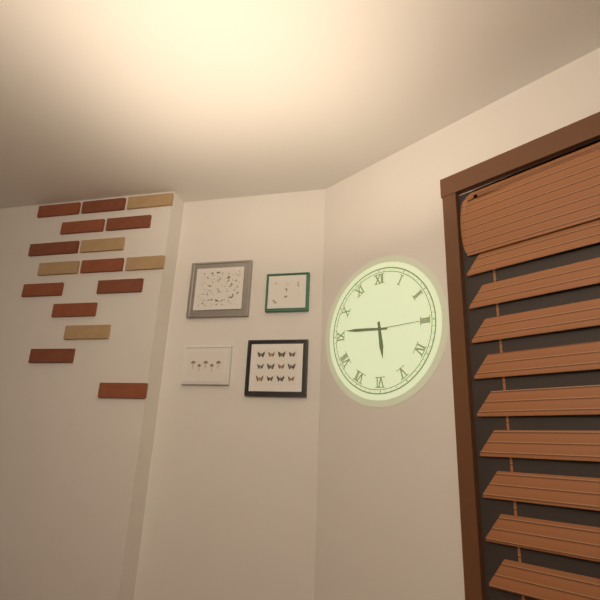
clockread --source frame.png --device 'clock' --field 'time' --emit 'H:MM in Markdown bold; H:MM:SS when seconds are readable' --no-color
**5:46:15**
